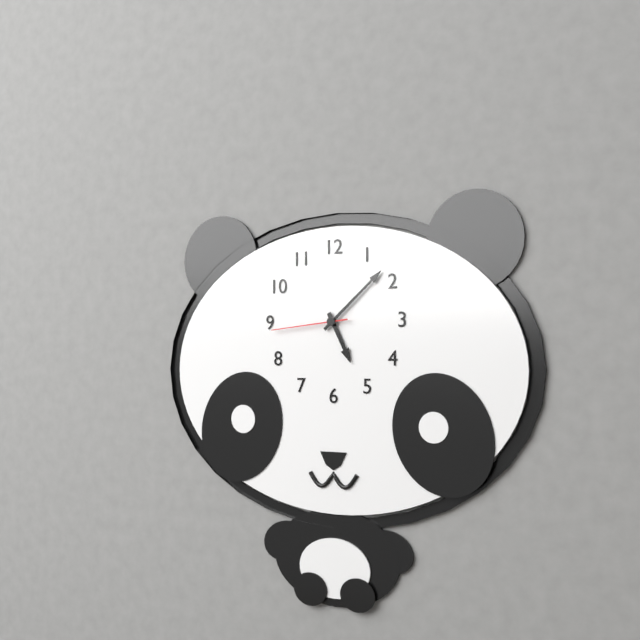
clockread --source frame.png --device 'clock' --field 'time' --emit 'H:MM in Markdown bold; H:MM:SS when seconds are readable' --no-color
**5:08:44**
